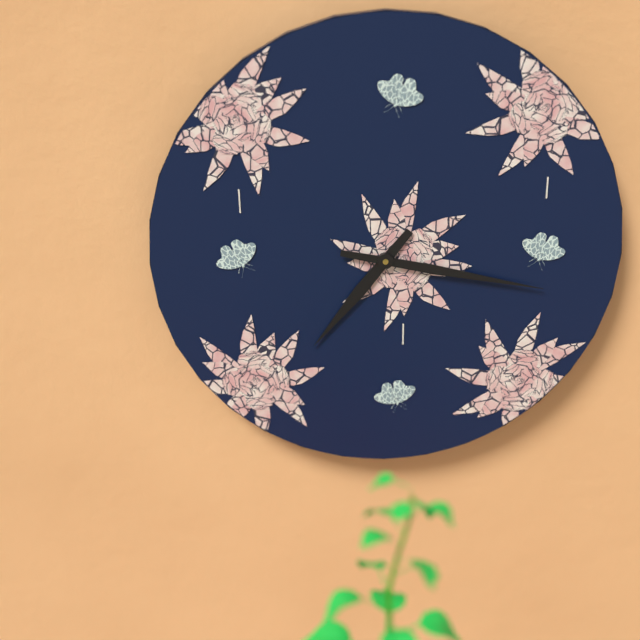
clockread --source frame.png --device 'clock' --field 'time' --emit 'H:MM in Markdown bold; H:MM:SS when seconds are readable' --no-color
**7:17**
